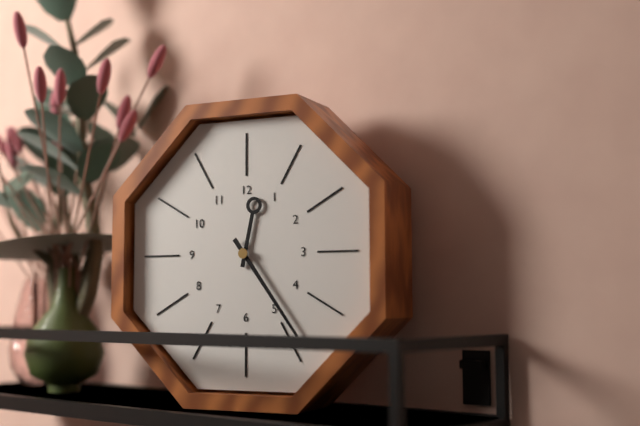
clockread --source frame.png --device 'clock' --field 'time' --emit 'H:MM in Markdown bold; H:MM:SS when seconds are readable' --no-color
**12:24**
